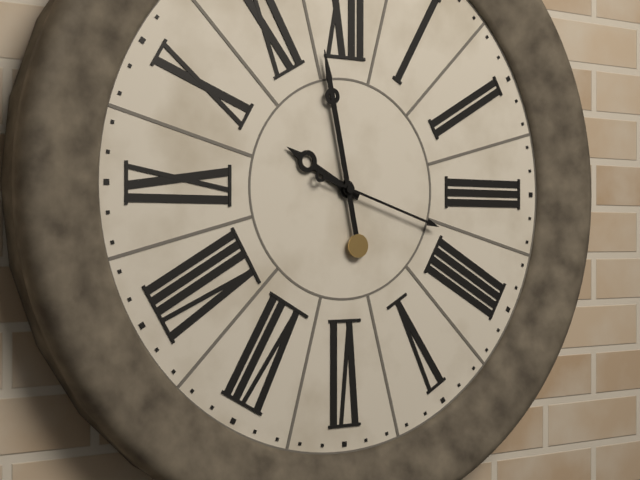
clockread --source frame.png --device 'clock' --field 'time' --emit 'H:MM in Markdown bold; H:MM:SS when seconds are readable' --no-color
**9:58:18**
